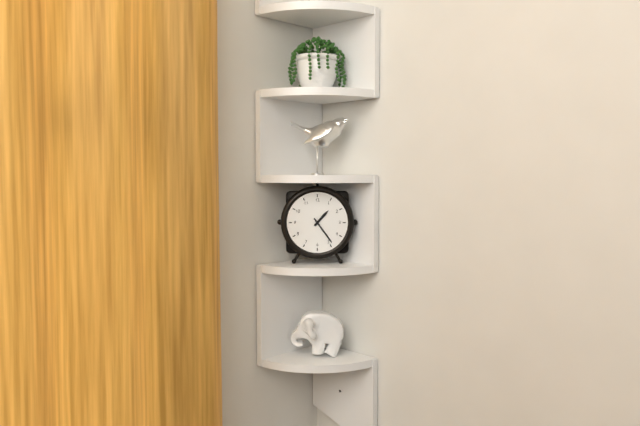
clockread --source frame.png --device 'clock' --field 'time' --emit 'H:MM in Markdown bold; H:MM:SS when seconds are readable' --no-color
**1:24**
